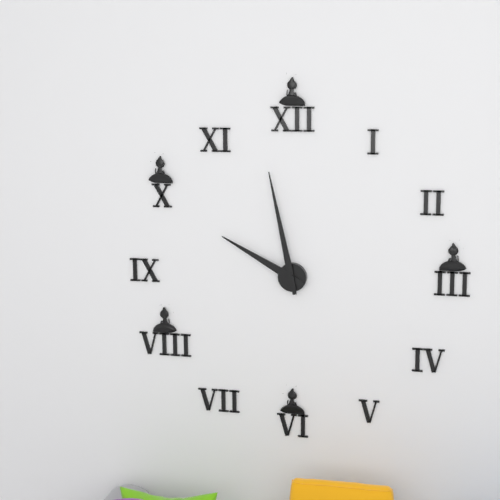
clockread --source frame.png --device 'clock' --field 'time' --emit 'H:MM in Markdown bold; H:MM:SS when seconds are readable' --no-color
**9:58**
